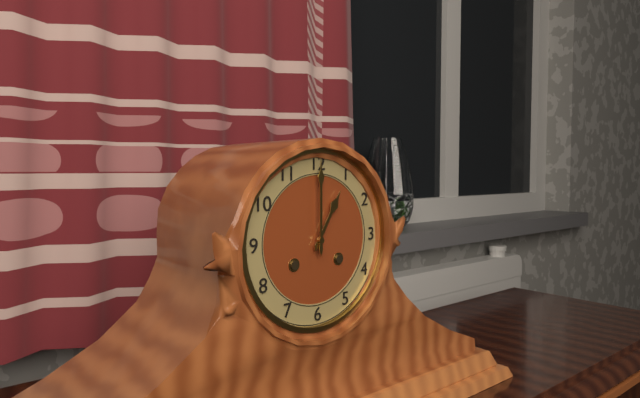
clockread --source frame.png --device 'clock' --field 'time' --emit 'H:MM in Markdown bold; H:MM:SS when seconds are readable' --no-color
**1:00**
